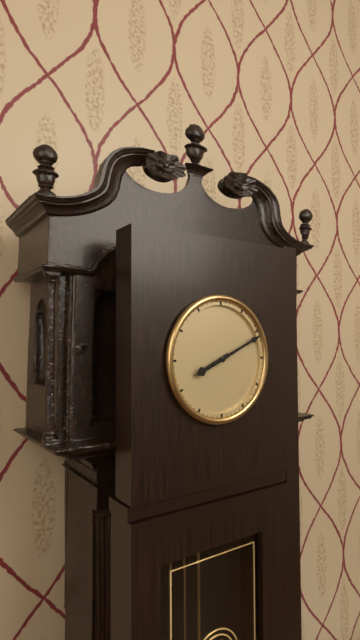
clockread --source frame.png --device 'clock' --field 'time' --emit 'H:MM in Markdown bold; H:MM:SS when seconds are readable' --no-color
**8:11**
